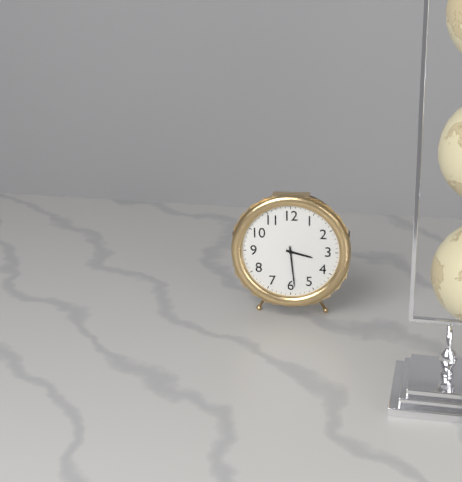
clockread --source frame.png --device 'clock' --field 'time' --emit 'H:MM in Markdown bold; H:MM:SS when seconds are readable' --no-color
**3:29**
